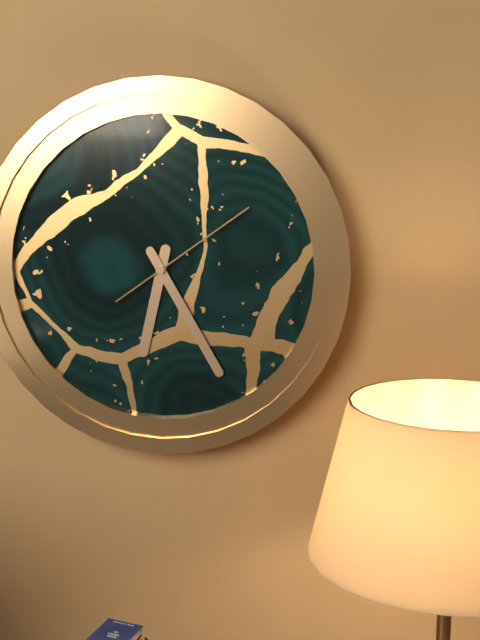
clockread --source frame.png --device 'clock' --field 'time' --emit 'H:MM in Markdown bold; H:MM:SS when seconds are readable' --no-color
**6:25:09**
